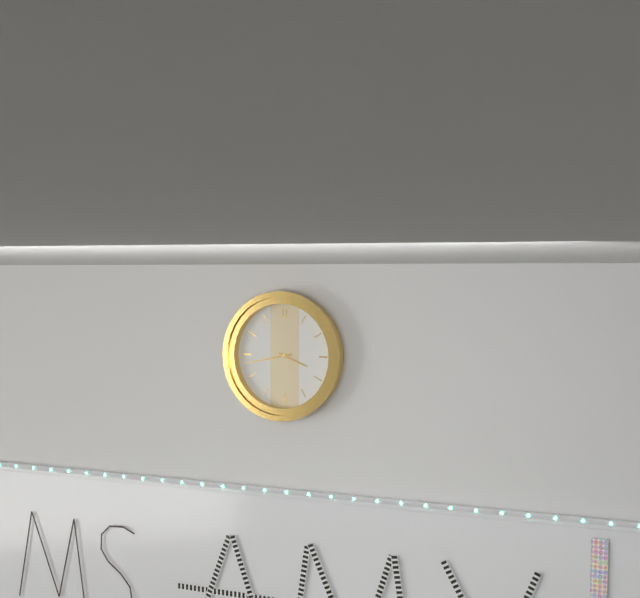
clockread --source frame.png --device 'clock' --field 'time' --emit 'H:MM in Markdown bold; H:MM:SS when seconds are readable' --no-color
**3:43**
